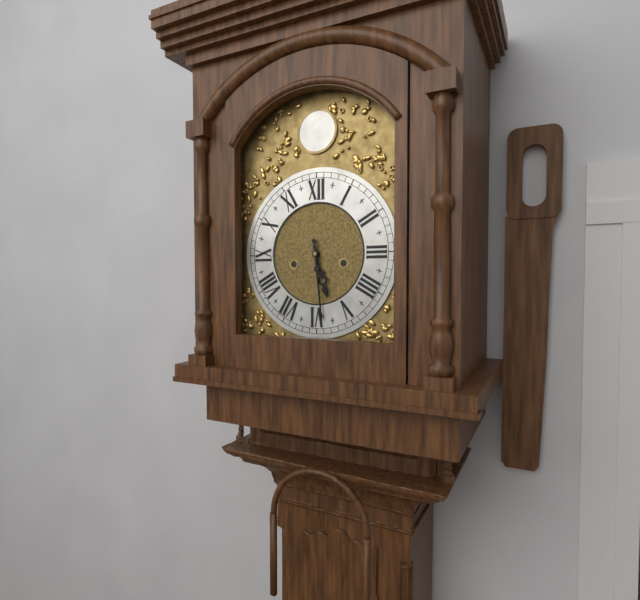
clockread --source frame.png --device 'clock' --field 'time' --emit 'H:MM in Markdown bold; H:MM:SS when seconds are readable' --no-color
**5:29**
